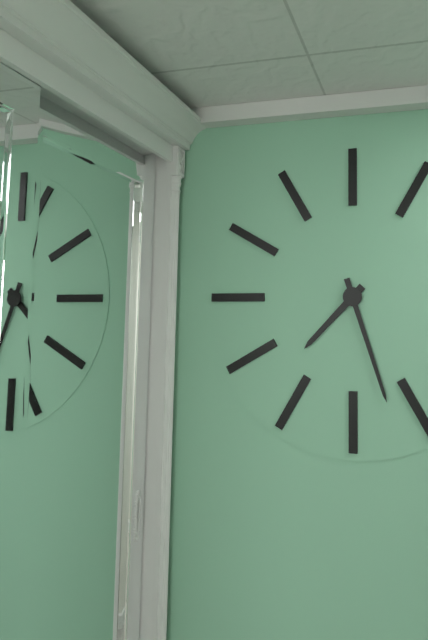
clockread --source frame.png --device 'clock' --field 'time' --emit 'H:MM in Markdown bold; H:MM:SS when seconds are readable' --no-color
**7:27**
